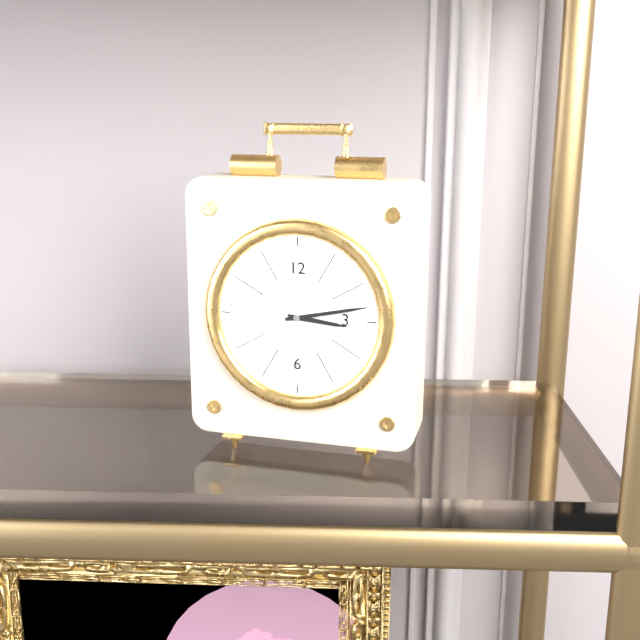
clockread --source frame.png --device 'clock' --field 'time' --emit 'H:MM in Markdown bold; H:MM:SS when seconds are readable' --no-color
**3:13**
